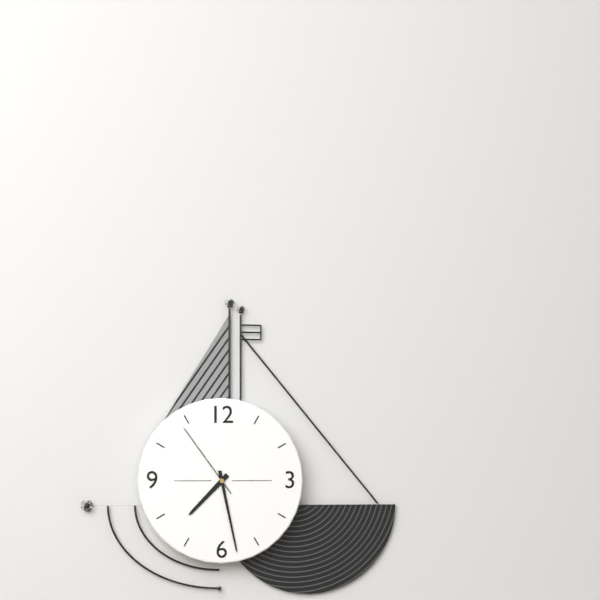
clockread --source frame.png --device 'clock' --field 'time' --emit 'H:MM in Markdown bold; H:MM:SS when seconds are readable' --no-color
**7:28:54**
